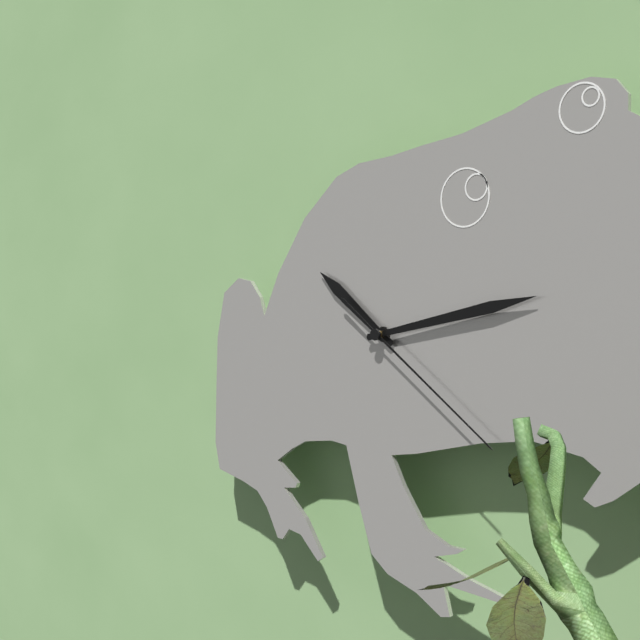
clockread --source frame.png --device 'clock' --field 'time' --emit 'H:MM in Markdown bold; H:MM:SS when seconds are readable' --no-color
**10:13:21**
